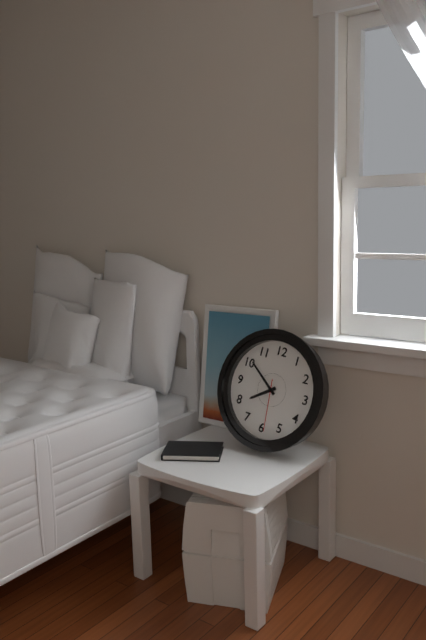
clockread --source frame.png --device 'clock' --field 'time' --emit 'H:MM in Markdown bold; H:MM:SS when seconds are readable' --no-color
**7:51:29**
